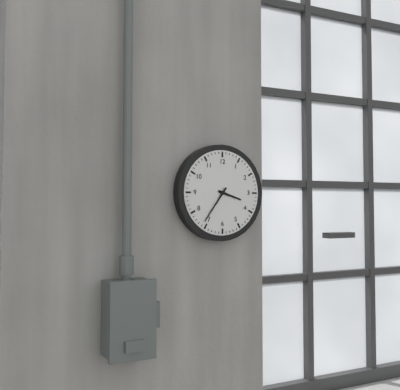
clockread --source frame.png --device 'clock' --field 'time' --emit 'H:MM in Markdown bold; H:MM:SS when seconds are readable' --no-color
**3:36**
